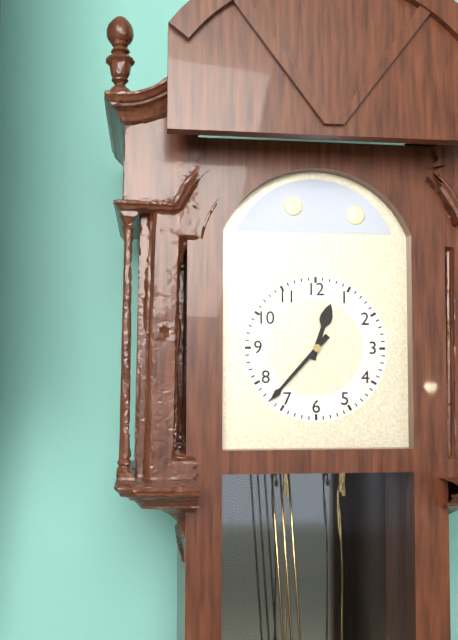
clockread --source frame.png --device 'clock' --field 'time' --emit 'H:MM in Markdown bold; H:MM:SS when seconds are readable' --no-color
**12:37**
